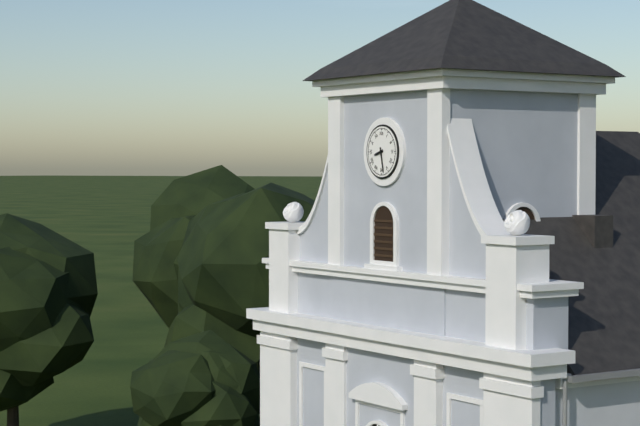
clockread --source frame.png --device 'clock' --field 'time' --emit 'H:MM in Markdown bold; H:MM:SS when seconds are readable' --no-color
**8:28**
